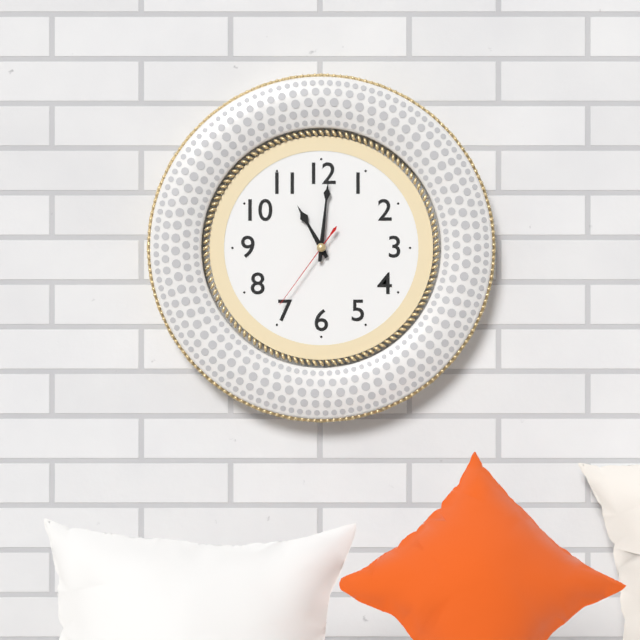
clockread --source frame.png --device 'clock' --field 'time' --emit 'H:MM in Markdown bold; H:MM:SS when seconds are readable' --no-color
**11:01:36**
